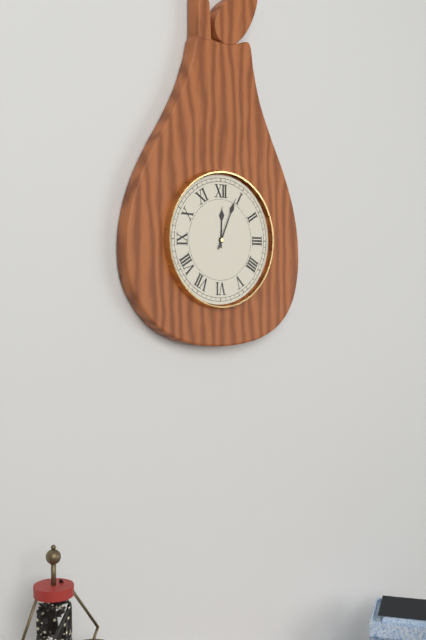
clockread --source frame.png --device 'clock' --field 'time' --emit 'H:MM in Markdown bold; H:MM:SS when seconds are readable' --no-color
**12:04**
